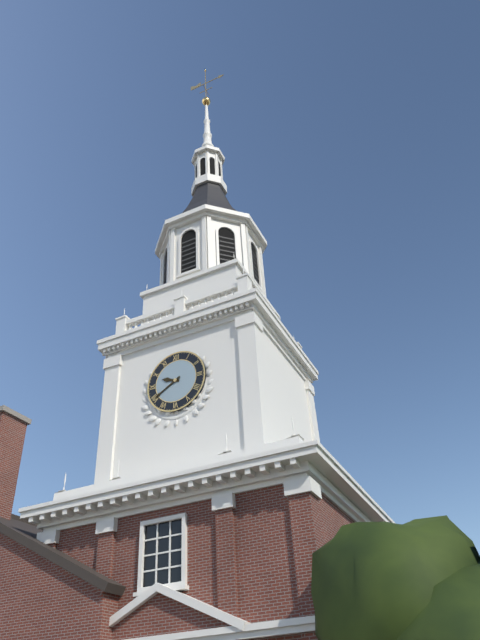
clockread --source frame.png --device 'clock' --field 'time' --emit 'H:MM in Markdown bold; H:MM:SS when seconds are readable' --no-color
**9:40**
